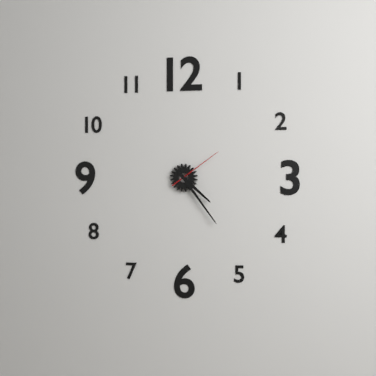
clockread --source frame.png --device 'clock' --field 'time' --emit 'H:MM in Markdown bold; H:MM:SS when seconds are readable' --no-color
**4:24:09**
